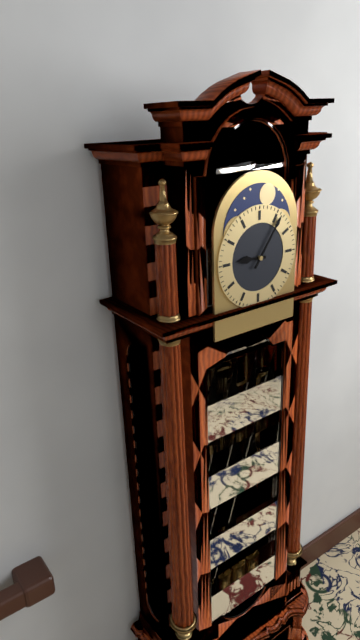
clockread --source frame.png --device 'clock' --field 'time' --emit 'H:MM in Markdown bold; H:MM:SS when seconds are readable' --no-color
**9:06**
